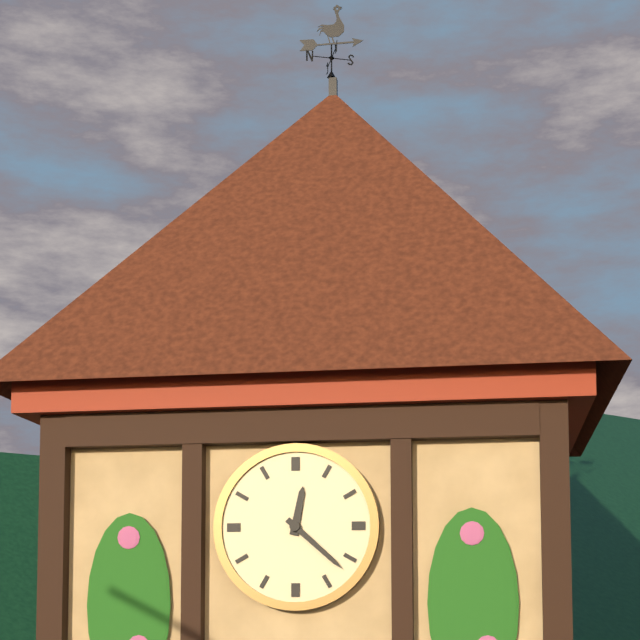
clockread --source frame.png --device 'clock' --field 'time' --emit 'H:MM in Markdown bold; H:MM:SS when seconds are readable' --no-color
**12:22**
